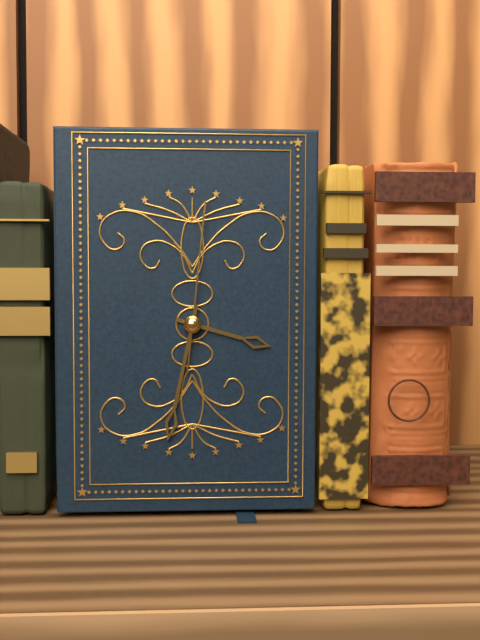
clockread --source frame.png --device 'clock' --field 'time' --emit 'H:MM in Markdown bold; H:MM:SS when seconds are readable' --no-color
**3:32:01**
